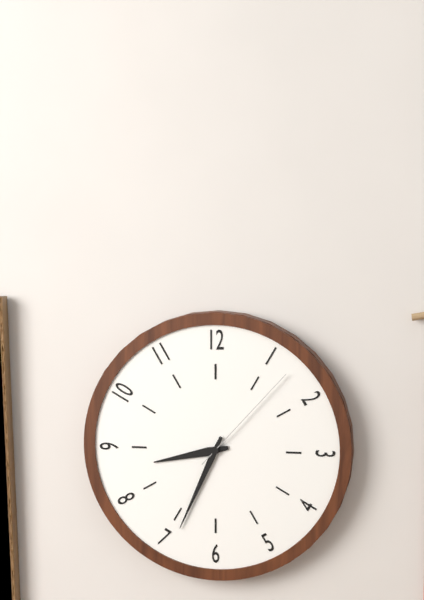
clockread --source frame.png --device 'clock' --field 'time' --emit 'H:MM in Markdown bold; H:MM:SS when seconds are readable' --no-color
**8:34:07**
